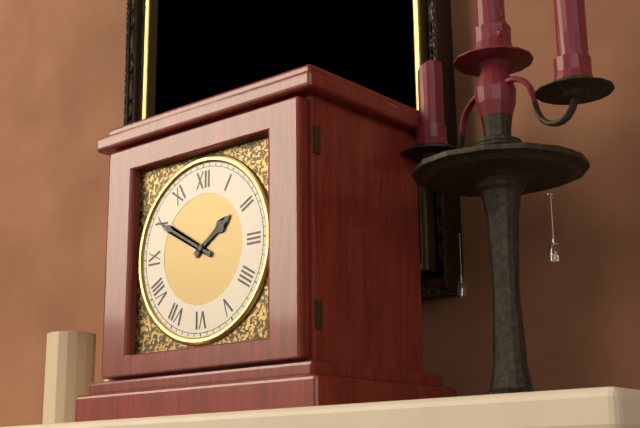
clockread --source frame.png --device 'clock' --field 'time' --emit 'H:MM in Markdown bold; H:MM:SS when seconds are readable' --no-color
**1:50**
